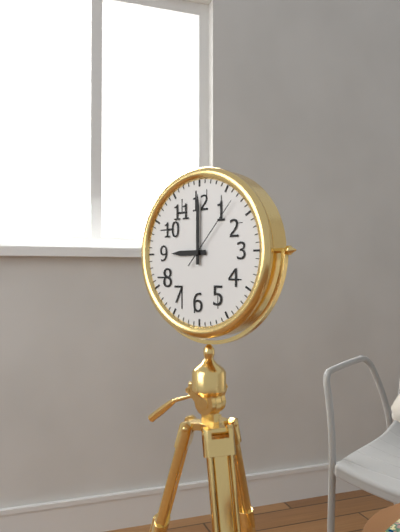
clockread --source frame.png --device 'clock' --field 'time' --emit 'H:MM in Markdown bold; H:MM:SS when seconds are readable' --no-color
**9:00:07**
